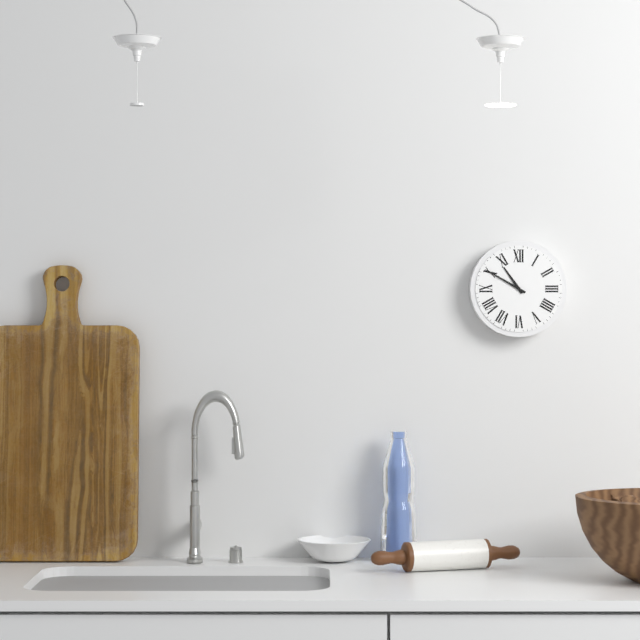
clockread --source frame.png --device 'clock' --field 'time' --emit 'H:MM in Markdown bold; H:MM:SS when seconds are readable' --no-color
**10:50**
